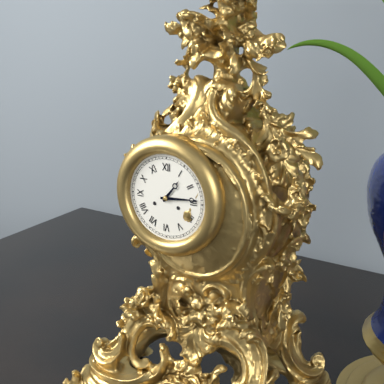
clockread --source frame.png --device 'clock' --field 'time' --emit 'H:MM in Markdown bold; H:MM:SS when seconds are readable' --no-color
**1:14**
